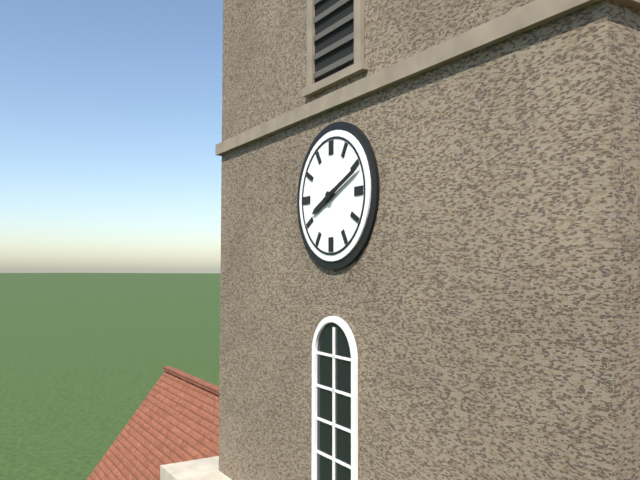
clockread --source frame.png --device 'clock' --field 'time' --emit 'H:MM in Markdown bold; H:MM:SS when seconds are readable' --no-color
**8:11**
